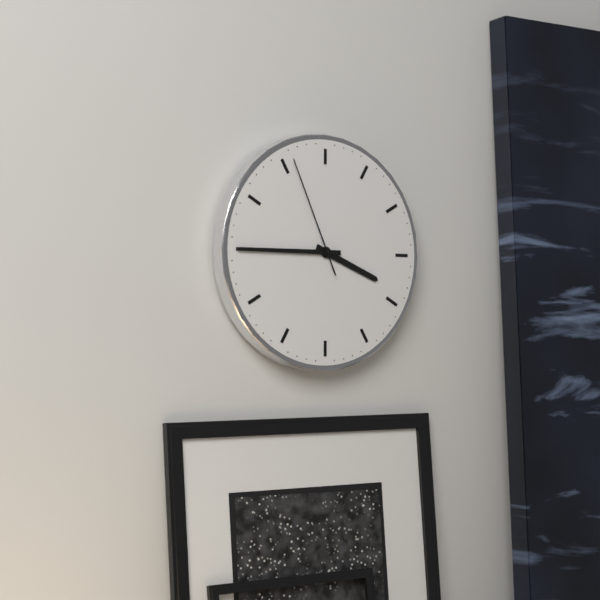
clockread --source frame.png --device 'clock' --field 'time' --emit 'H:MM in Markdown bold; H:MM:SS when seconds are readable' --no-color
**3:45:56**
